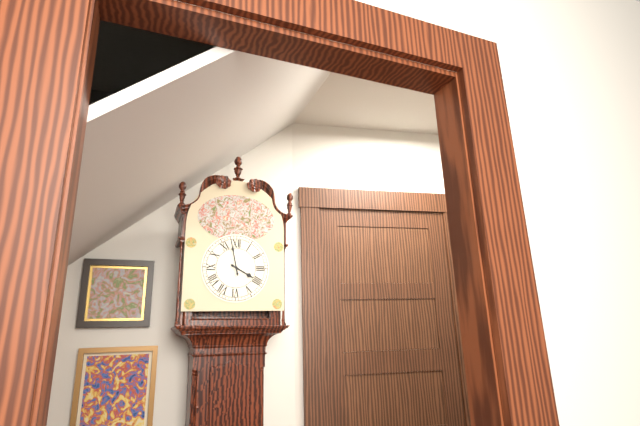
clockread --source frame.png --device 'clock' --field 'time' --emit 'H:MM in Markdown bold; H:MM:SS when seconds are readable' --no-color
**3:58**
